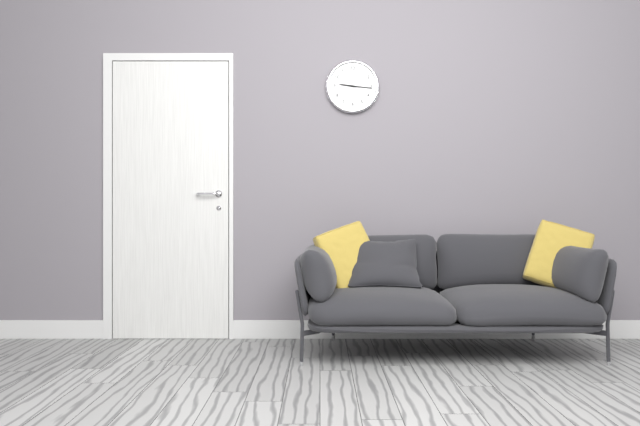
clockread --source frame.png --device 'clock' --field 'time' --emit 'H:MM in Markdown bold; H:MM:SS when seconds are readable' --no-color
**9:16**
